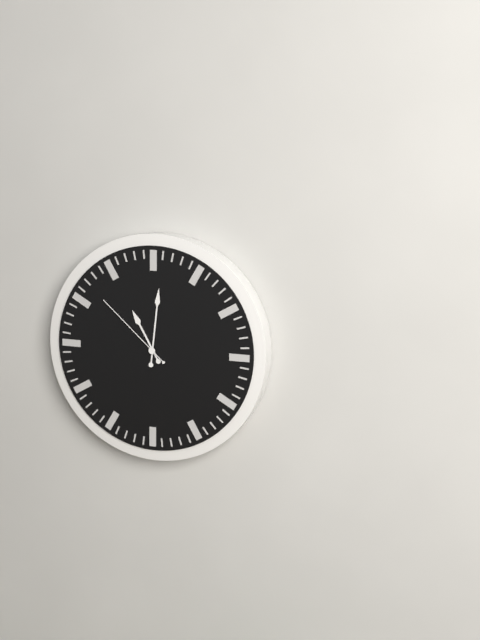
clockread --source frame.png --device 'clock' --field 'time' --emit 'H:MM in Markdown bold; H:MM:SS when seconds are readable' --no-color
**11:01:52**
